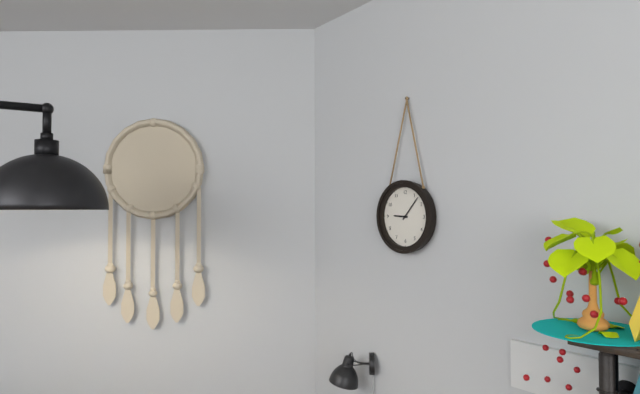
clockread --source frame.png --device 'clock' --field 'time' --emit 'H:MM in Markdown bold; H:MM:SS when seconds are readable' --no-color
**9:07**
